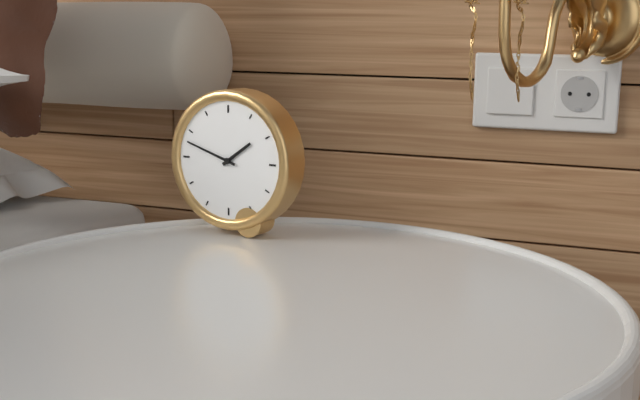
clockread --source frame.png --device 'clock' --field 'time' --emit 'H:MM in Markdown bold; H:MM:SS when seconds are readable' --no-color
**1:48**
